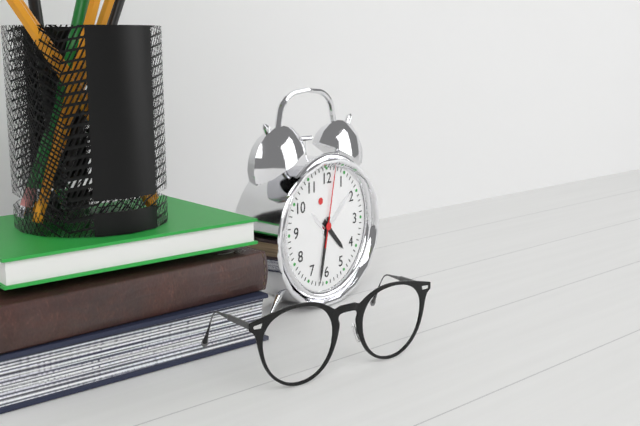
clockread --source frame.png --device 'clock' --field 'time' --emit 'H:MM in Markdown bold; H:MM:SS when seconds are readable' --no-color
**4:32:02**
